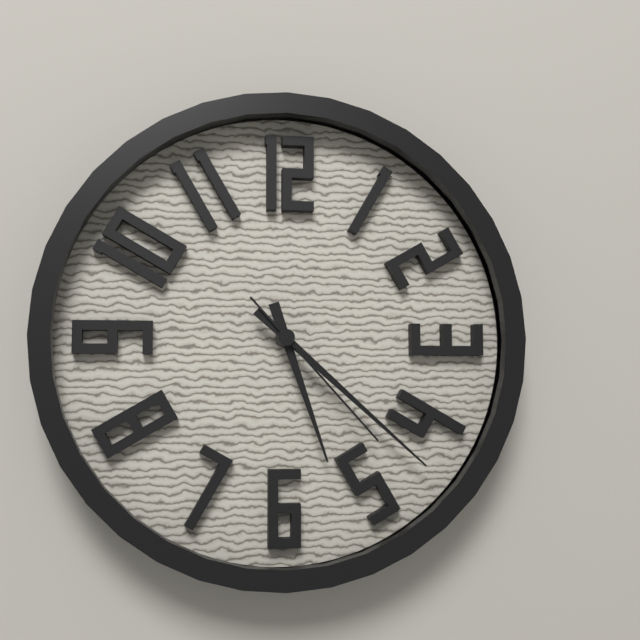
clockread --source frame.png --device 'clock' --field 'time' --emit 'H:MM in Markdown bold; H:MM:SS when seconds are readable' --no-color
**5:22:23**
